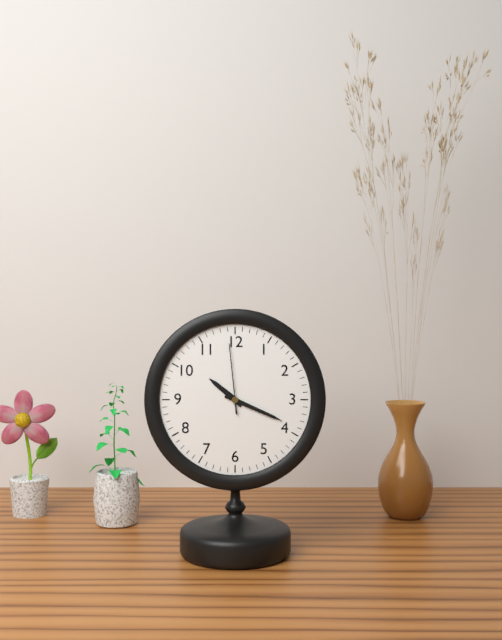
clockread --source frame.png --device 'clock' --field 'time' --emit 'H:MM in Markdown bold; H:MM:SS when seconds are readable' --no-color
**10:19:59**
